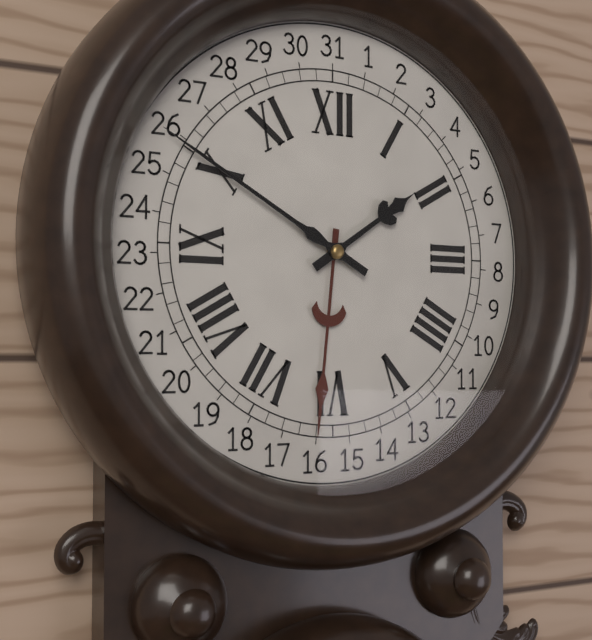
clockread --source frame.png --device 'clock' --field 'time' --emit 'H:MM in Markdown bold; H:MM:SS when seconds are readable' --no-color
**1:50**
